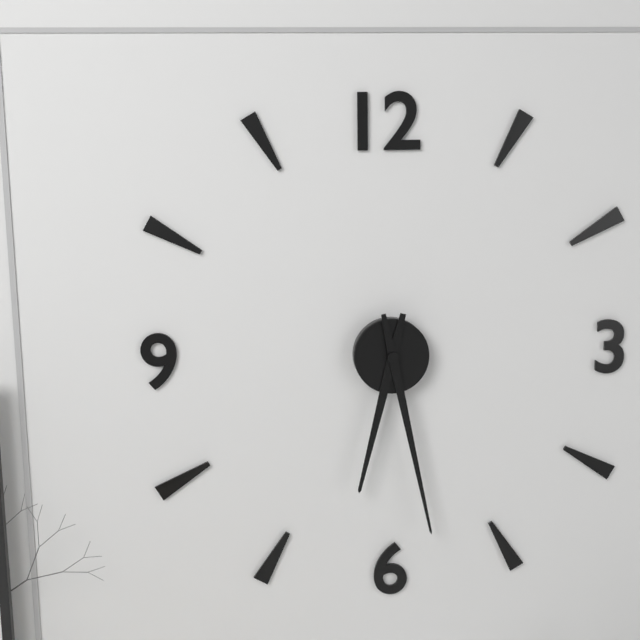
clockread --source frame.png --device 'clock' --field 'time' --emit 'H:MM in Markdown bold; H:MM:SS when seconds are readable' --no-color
**6:28**
